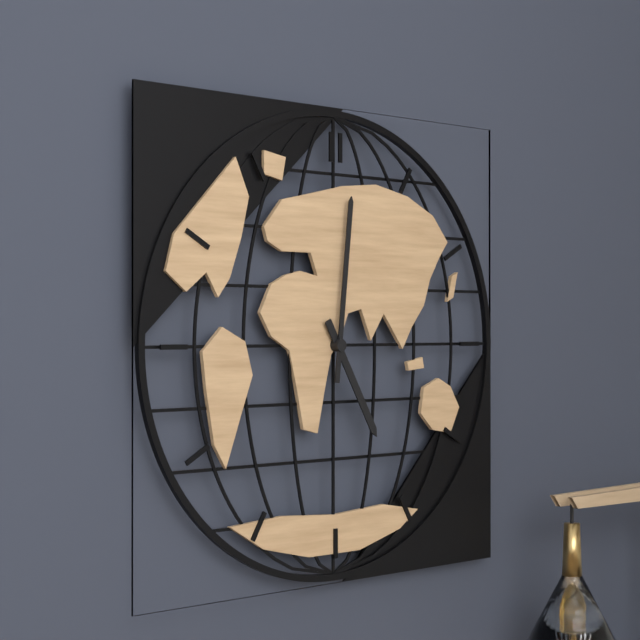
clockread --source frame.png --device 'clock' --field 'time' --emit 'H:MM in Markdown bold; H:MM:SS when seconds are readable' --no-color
**5:01**
